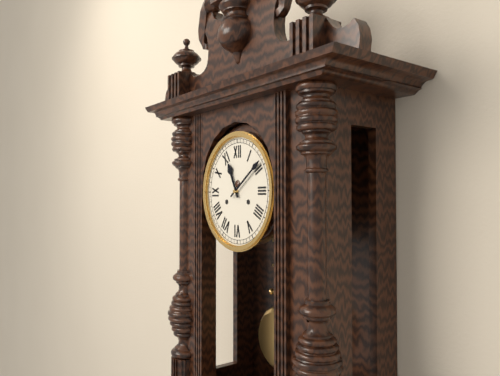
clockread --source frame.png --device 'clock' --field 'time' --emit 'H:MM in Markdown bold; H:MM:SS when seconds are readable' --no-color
**11:09**
